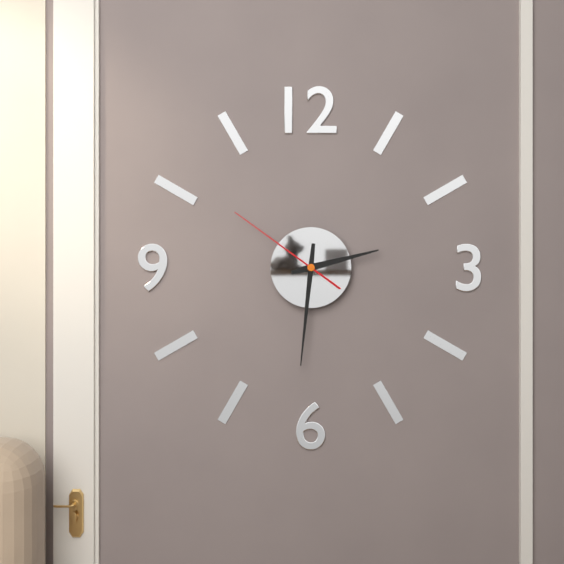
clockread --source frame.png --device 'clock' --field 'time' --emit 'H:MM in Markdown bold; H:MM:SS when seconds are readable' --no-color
**2:31:51**
